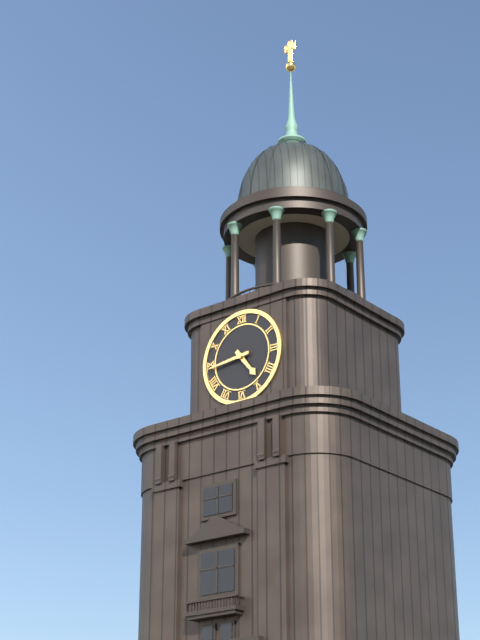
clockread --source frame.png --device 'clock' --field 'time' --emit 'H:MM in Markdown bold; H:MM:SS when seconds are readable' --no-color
**4:44**
